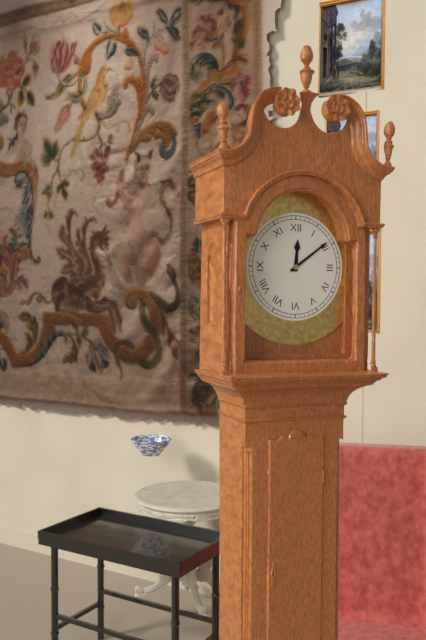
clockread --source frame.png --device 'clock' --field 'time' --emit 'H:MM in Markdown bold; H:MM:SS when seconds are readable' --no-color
**12:09**
